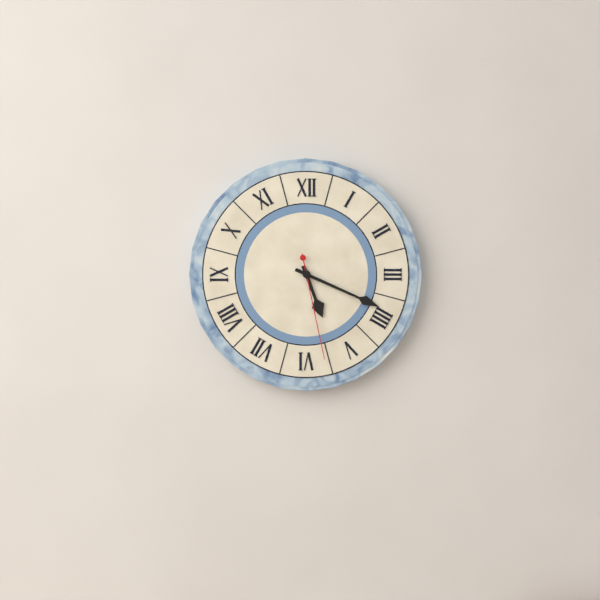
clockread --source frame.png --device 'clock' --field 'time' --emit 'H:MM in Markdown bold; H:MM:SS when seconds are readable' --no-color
**5:19:28**
